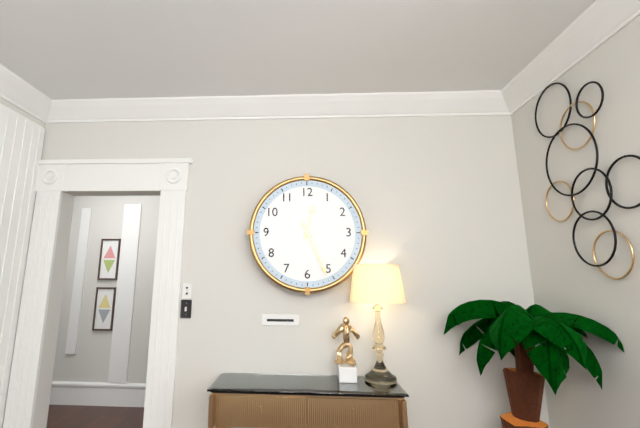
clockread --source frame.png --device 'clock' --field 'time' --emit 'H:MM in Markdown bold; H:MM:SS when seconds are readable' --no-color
**12:26**
